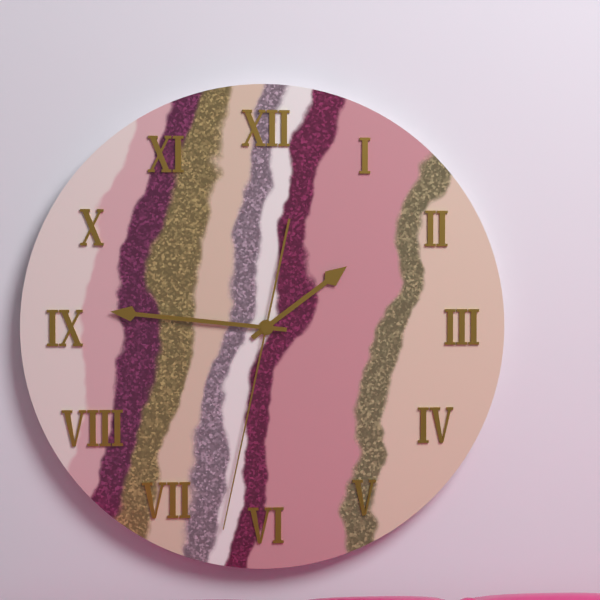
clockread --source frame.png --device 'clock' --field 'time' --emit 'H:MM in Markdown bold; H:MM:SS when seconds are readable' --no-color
**1:46:32**
